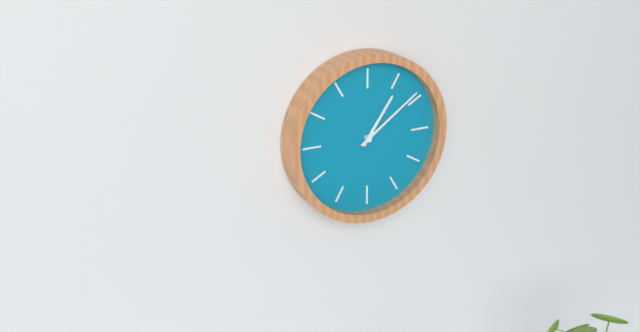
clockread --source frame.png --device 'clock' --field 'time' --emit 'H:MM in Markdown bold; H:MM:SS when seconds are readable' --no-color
**1:09**
